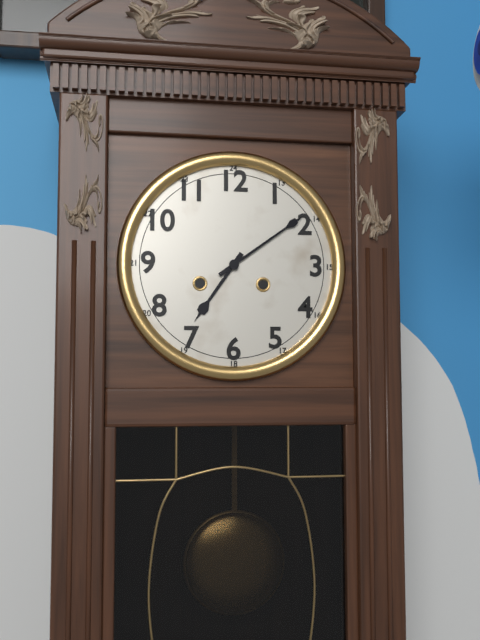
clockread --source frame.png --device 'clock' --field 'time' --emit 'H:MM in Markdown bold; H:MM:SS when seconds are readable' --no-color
**7:09**
